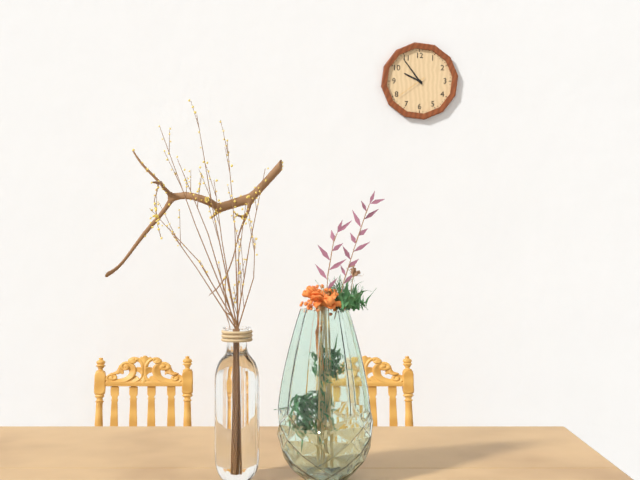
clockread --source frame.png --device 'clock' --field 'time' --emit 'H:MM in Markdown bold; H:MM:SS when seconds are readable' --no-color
**9:54**
